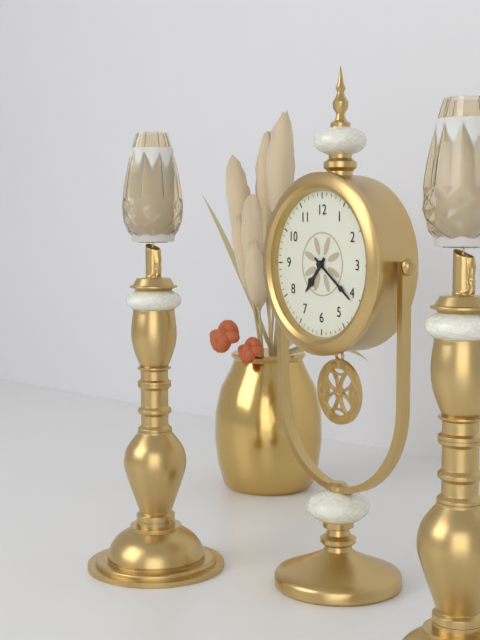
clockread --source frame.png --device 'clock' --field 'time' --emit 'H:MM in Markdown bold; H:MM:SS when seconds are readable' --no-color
**7:21**
